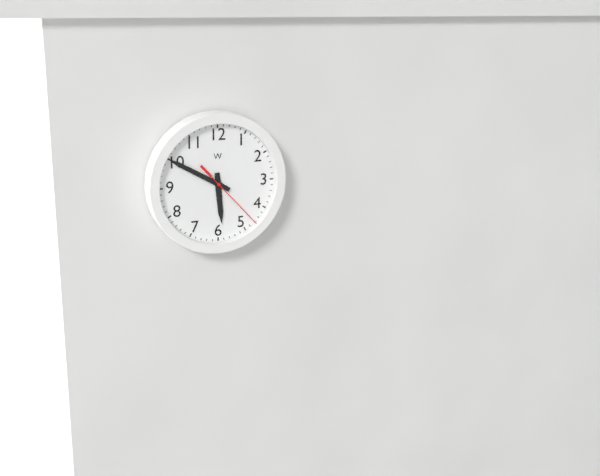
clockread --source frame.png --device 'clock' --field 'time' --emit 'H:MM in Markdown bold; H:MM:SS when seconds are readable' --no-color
**5:50:23**
